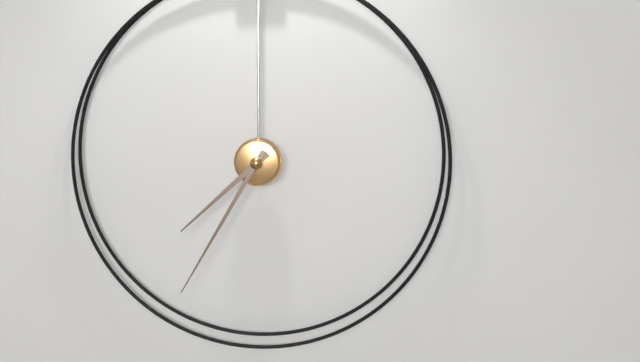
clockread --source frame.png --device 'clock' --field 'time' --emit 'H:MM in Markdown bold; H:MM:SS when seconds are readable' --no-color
**7:35**
